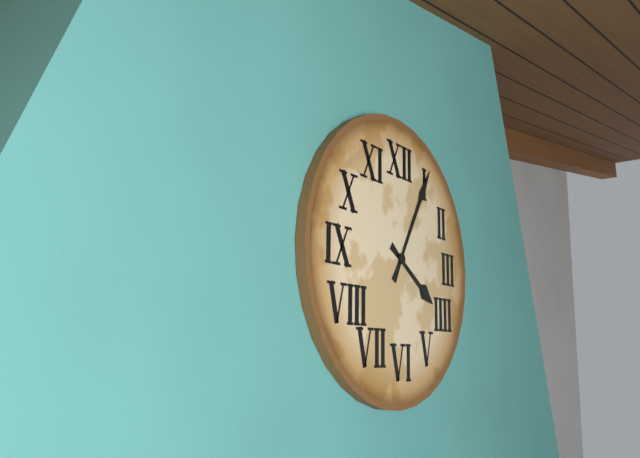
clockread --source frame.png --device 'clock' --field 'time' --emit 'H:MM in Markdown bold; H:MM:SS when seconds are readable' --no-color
**4:05**
